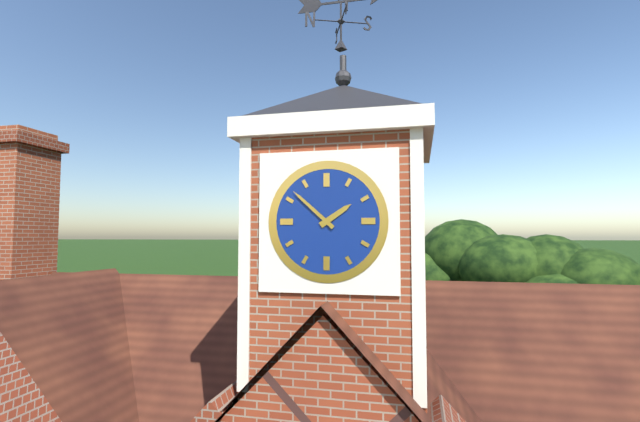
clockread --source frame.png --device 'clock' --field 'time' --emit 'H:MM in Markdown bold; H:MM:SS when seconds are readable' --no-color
**1:52**
